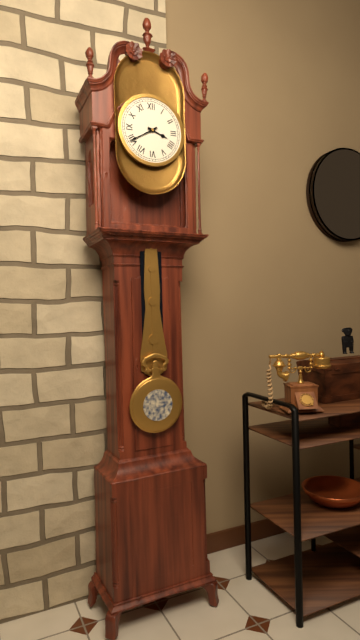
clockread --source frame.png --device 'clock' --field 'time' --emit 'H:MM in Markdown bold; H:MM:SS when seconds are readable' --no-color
**3:40**
